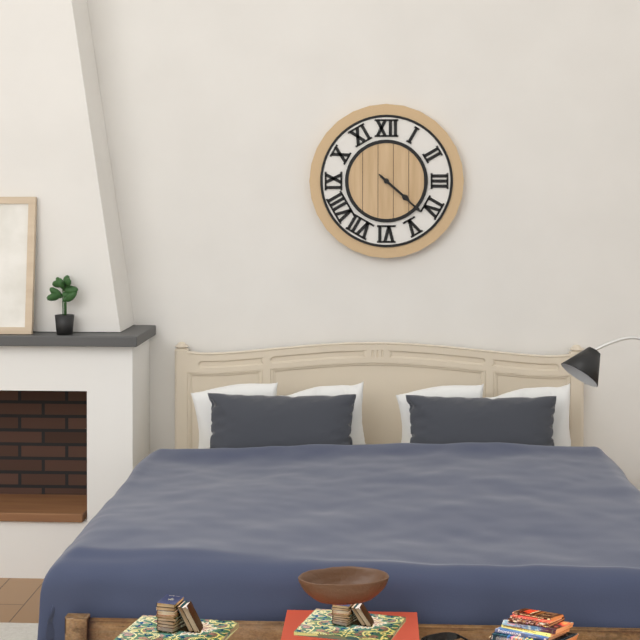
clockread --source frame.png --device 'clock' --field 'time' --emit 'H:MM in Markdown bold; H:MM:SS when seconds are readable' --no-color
**4:22**
